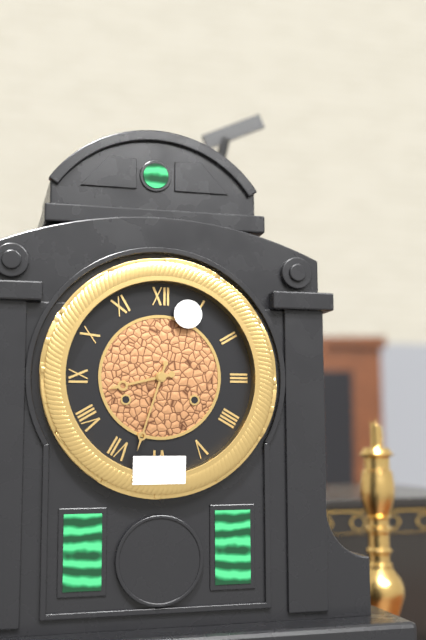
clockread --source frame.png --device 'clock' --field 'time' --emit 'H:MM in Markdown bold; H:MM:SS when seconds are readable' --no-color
**8:33**
